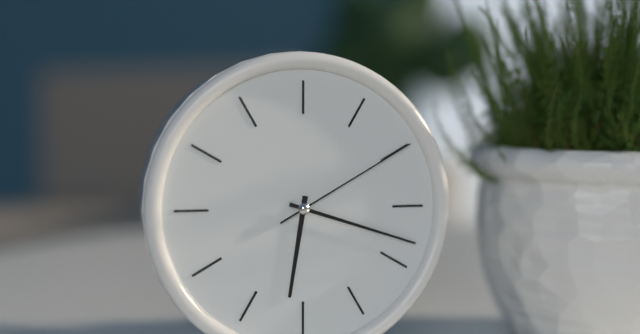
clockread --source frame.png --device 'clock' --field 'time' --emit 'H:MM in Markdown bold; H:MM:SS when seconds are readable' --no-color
**6:18:10**
